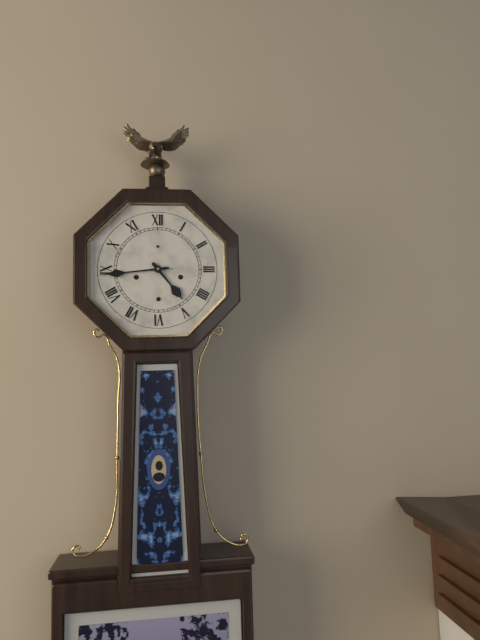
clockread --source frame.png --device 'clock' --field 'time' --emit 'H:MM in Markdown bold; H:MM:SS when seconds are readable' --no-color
**4:44**
